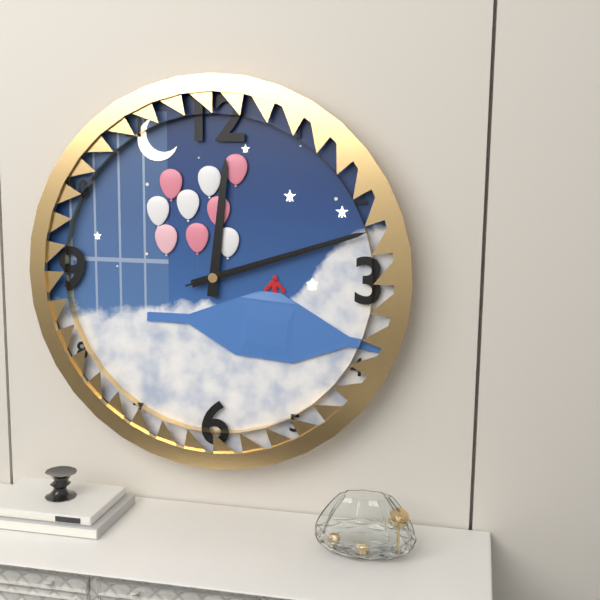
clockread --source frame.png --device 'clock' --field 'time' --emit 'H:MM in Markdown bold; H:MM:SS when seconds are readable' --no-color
**12:12:12**
